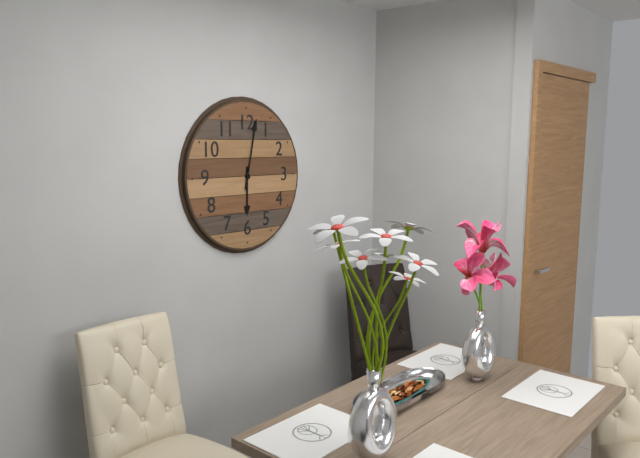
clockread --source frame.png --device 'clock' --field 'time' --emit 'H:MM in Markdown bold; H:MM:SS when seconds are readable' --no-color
**6:02**
